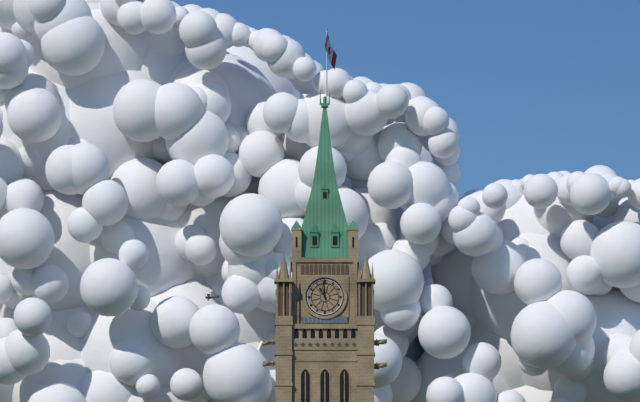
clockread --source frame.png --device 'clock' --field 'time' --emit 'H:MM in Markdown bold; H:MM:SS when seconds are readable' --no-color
**10:59**
